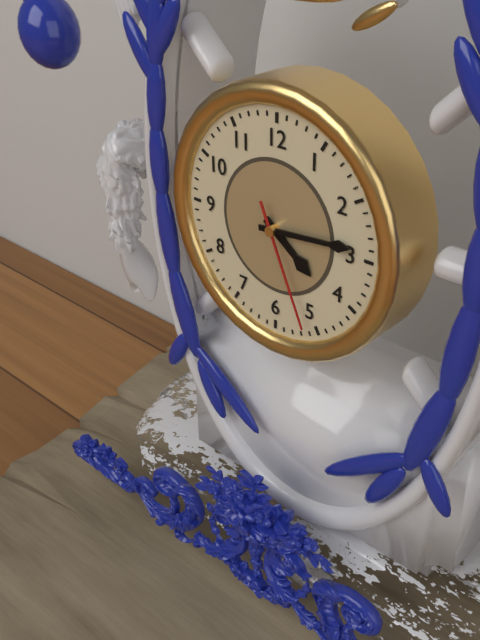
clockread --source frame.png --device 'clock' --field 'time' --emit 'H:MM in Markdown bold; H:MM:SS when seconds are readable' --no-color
**4:14:26**
